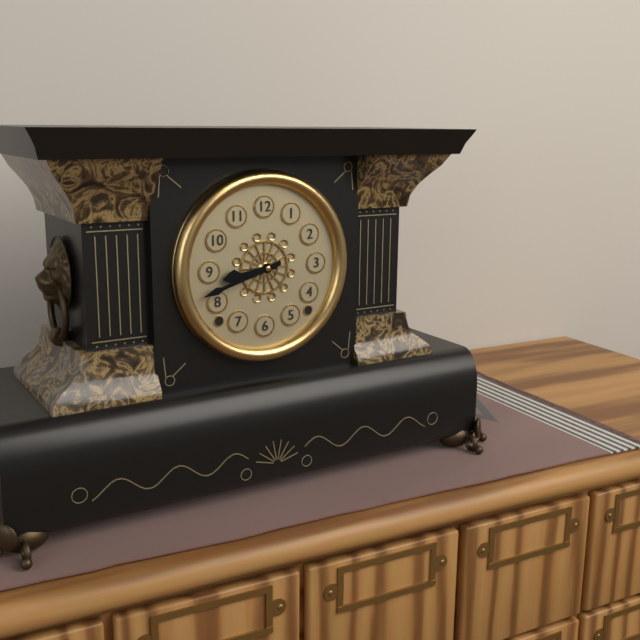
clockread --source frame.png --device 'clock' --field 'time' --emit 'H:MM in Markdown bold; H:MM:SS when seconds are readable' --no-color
**8:42**
